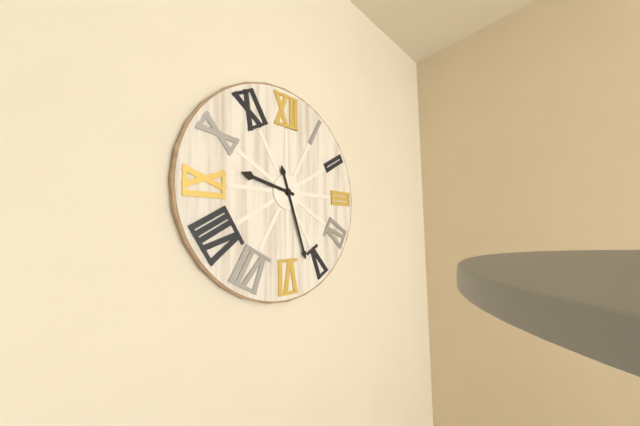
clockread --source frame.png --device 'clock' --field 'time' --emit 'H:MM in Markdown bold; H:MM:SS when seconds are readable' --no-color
**9:27**
